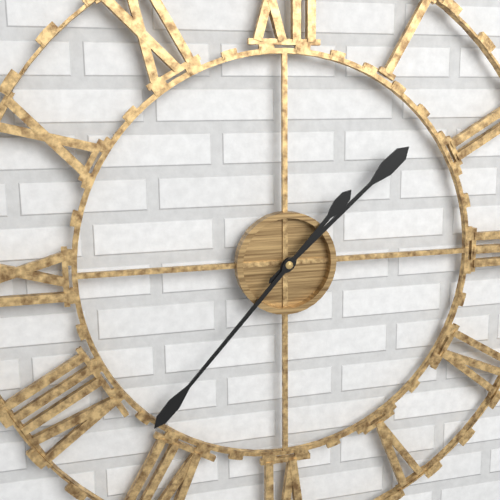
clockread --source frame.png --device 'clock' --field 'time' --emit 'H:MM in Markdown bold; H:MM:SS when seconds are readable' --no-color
**1:37**
